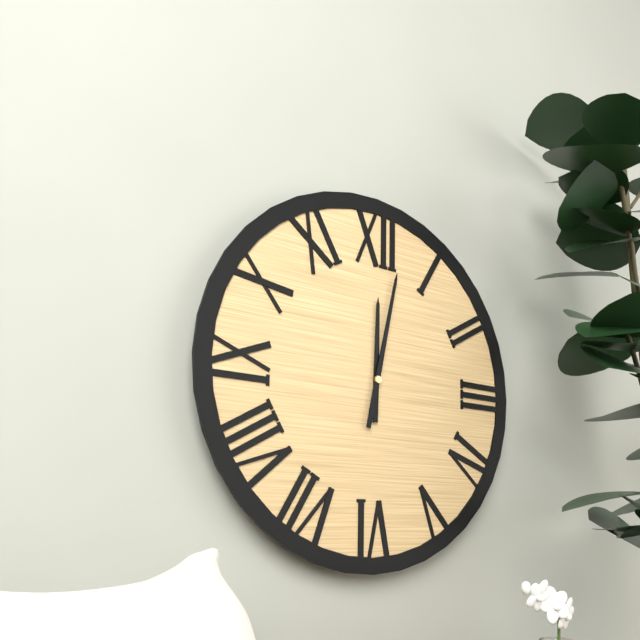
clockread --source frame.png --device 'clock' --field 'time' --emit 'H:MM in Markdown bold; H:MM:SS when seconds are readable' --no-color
**12:02**
